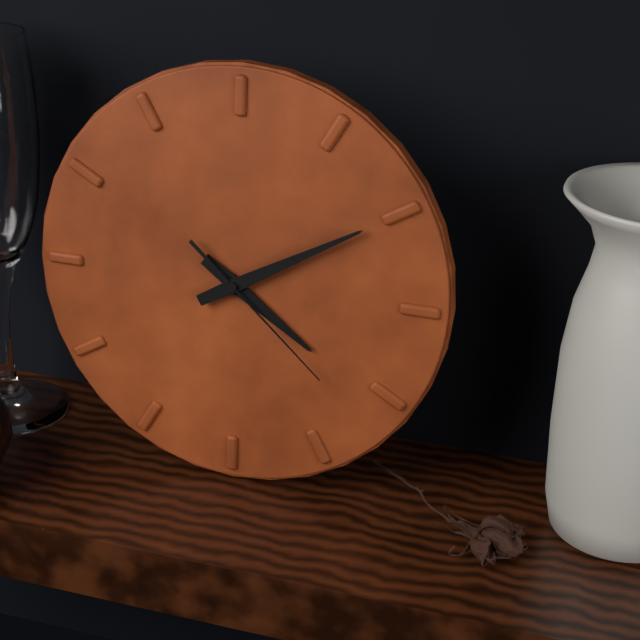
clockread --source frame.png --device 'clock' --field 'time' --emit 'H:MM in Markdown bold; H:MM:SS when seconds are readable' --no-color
**4:10:22**
